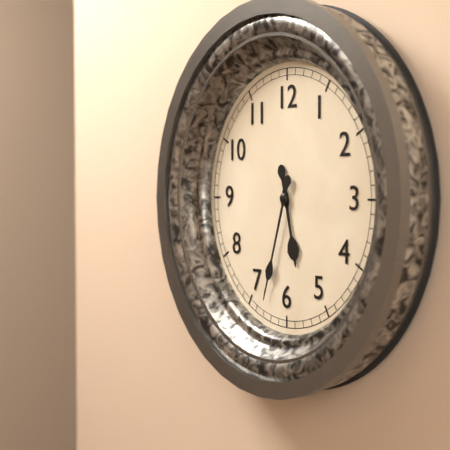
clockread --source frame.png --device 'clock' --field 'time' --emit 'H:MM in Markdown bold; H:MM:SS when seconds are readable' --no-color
**5:33**
